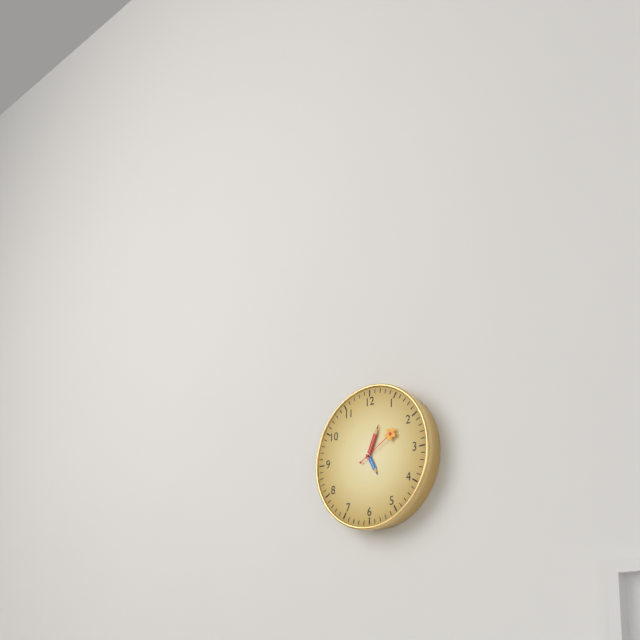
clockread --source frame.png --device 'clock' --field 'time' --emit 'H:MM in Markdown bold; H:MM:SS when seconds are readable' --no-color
**5:04**
